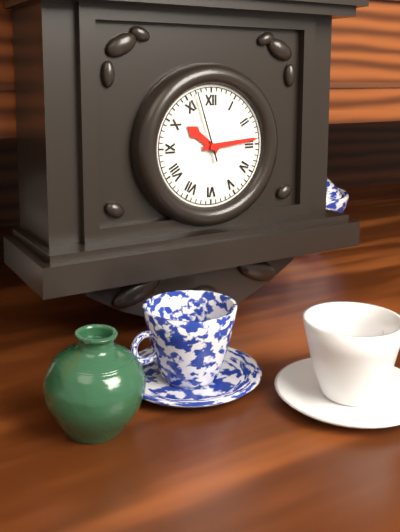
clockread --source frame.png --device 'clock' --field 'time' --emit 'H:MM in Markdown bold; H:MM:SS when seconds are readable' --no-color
**10:14:57**
